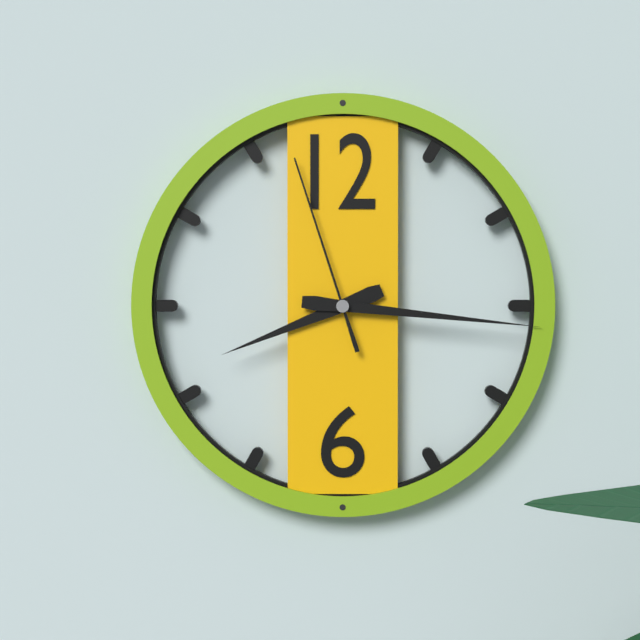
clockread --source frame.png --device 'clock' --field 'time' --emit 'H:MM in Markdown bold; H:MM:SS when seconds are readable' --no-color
**8:16:57**
